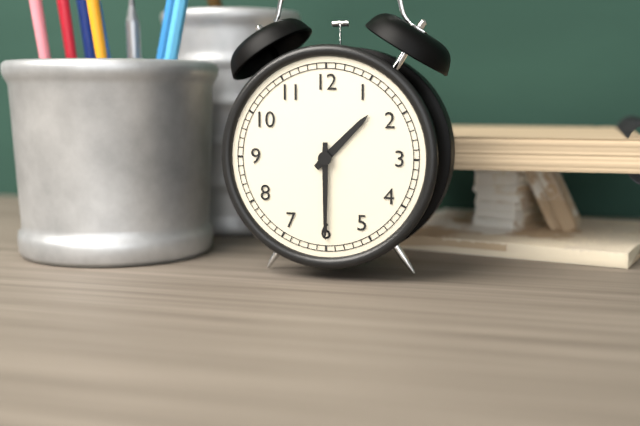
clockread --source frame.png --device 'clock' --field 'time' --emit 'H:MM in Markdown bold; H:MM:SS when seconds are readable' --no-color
**1:30**
